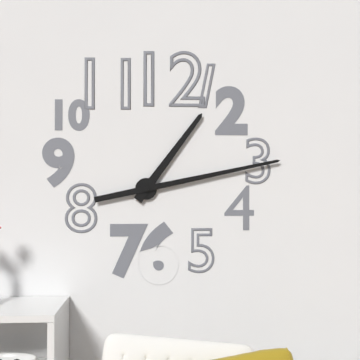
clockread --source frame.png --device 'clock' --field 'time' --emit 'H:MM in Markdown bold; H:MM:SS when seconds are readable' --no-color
**1:13**
